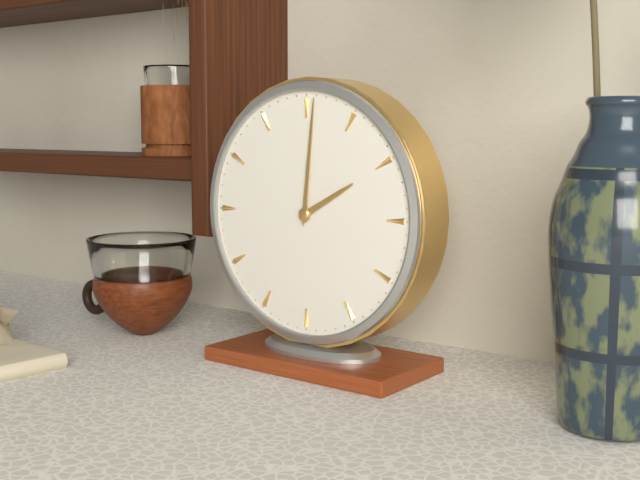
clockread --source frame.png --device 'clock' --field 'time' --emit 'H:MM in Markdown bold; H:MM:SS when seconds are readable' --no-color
**2:01**
